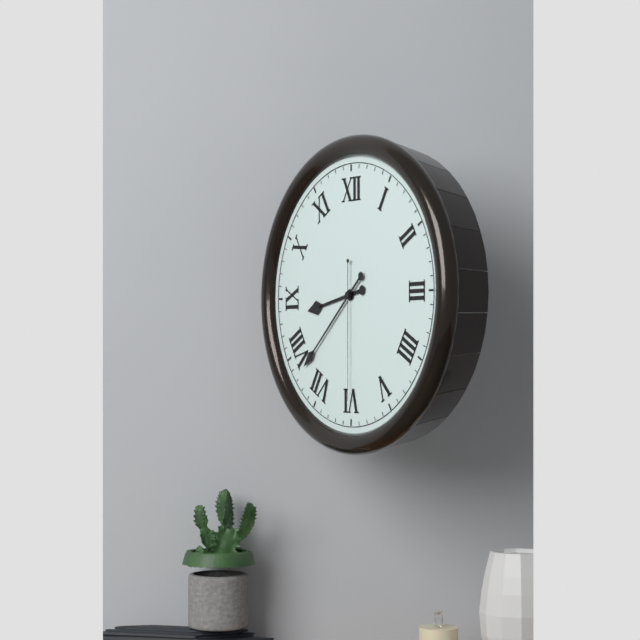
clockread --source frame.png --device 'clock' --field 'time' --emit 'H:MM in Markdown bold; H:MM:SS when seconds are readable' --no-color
**8:38:30**
